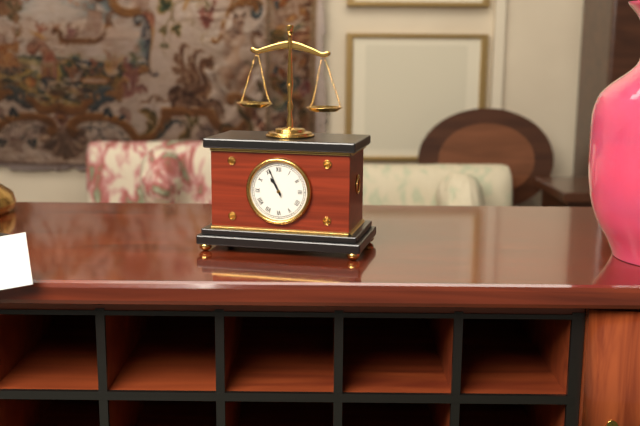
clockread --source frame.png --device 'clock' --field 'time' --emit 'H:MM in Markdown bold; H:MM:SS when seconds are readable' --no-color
**10:56**
